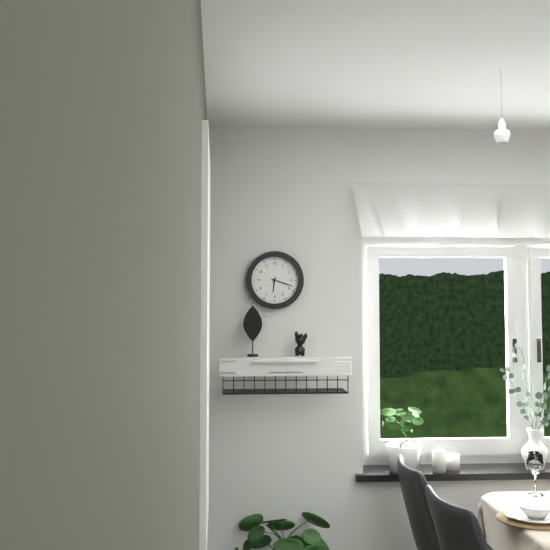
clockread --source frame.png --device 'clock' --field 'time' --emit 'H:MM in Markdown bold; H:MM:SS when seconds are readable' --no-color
**6:18**
